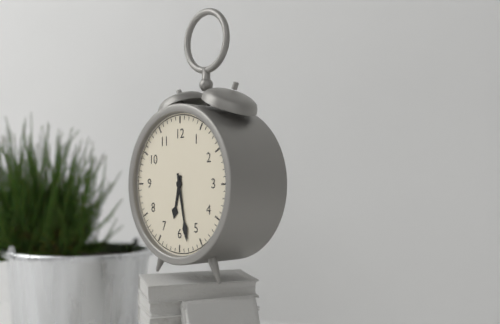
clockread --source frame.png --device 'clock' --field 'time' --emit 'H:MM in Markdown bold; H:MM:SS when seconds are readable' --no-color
**6:28**
